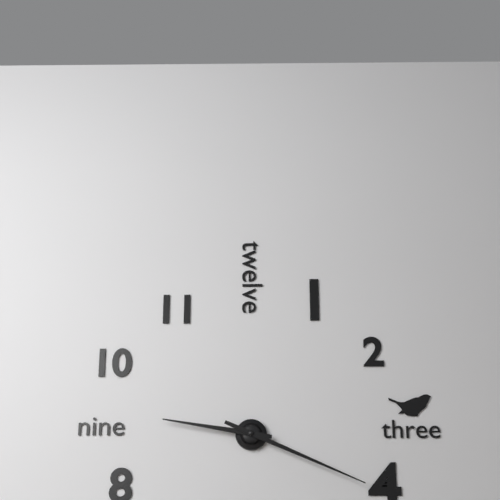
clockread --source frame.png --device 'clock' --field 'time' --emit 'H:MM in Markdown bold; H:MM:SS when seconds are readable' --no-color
**9:19**
